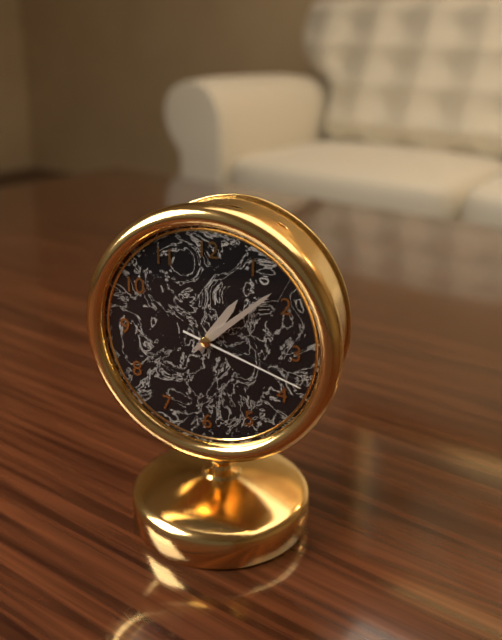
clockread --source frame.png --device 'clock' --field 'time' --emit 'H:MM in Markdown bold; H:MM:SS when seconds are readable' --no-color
**1:08:18**
